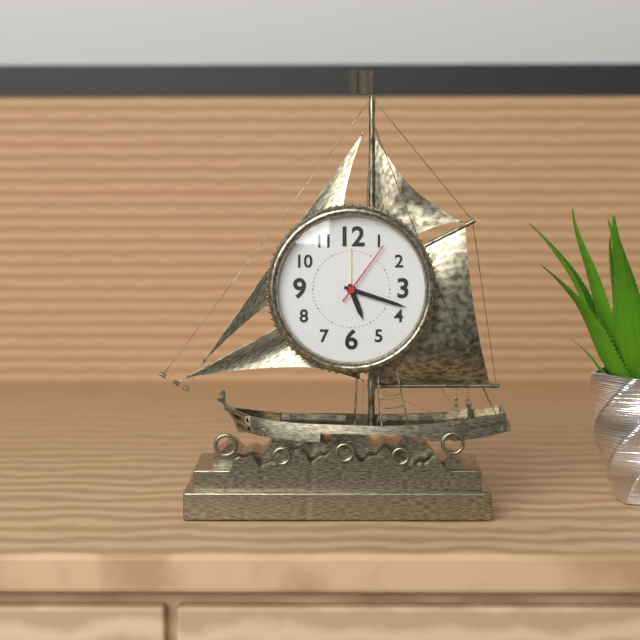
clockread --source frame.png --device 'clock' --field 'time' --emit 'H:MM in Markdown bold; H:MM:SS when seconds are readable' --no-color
**5:18:06**
